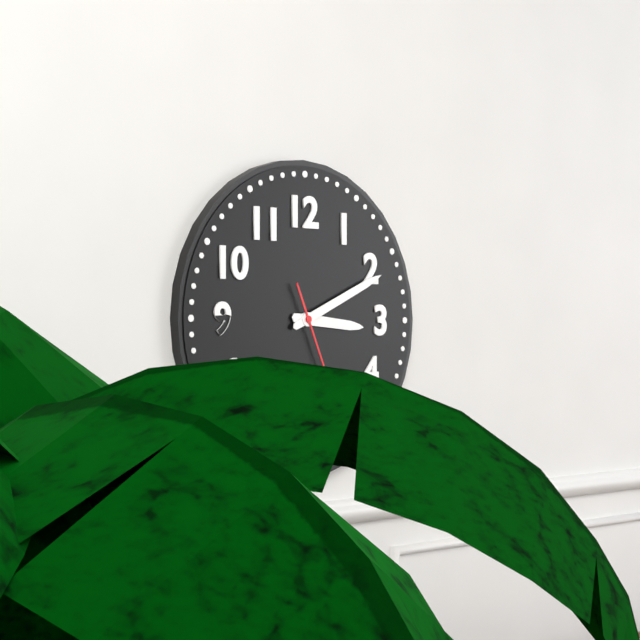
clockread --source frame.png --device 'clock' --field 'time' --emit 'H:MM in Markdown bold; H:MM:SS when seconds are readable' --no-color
**3:11**
